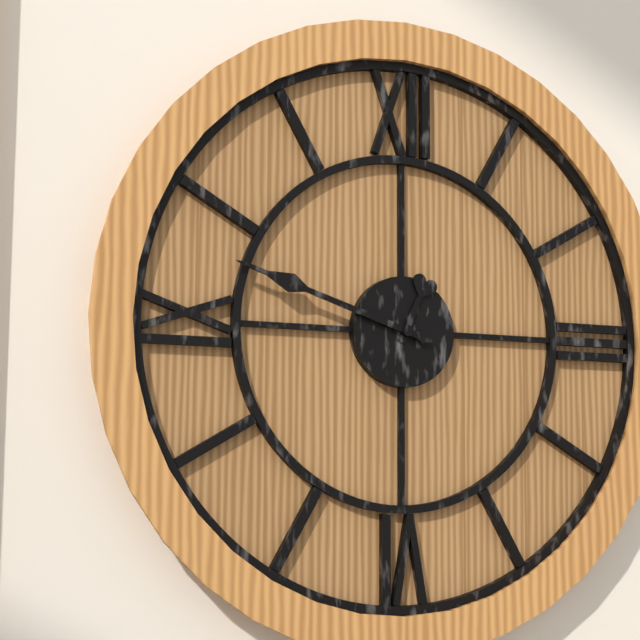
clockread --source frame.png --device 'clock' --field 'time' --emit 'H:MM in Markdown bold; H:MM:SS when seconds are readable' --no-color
**12:48**
